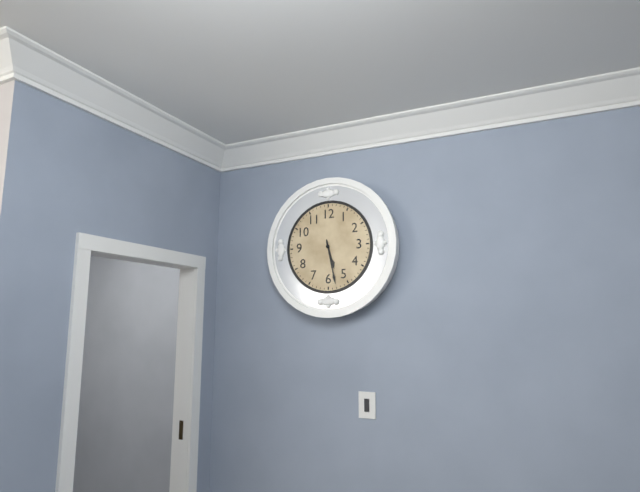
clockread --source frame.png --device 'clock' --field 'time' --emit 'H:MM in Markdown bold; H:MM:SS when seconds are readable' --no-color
**5:28**
